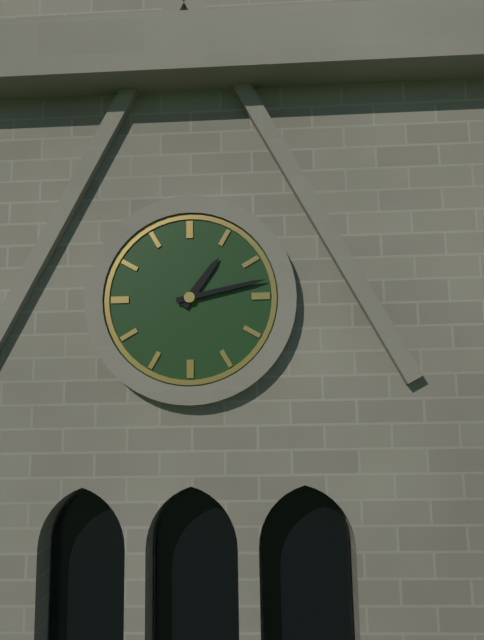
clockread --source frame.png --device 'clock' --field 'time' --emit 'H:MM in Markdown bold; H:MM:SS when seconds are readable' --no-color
**1:13**
